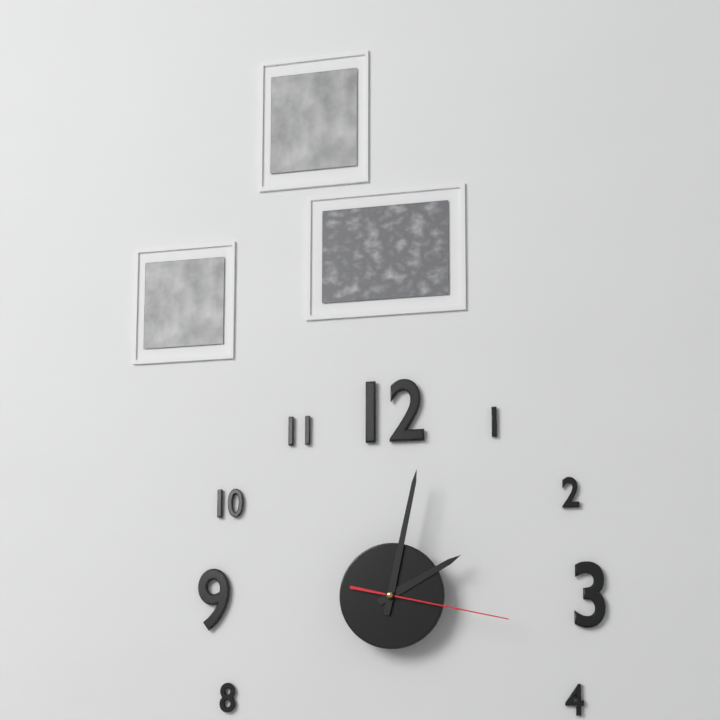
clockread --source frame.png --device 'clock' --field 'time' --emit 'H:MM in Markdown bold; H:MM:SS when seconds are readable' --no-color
**2:02:17**
